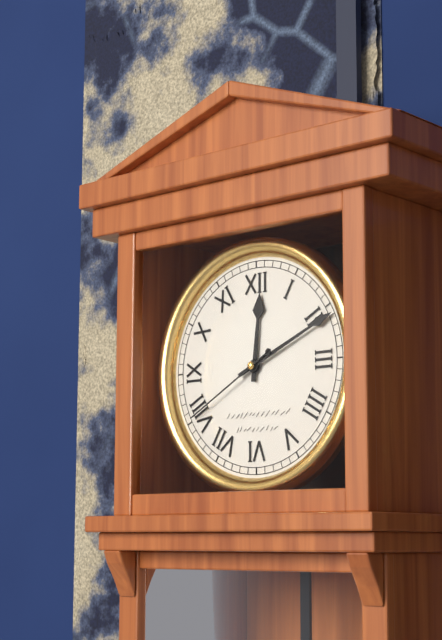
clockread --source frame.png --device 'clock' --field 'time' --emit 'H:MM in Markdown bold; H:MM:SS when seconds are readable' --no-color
**12:11:40**
